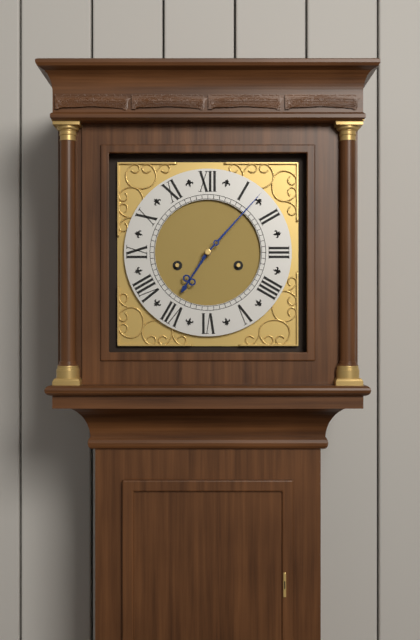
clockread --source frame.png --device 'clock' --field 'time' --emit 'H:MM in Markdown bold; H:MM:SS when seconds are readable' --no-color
**7:07**
